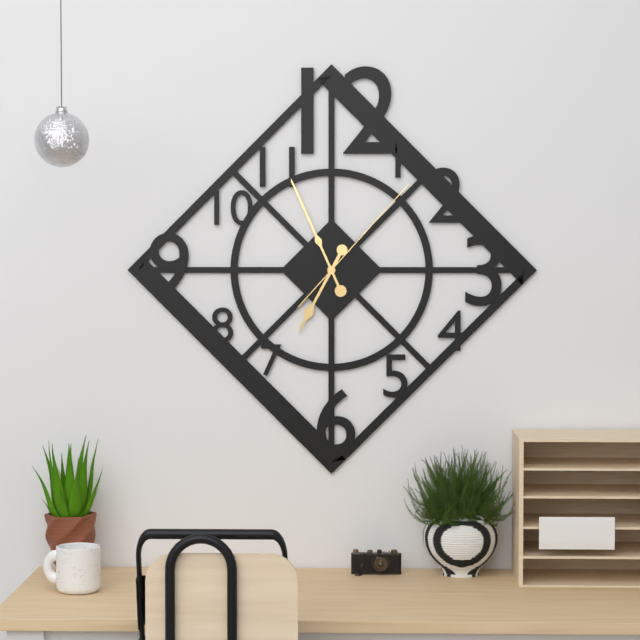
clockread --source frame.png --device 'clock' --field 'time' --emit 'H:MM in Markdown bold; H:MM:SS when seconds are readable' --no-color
**6:56:07**
